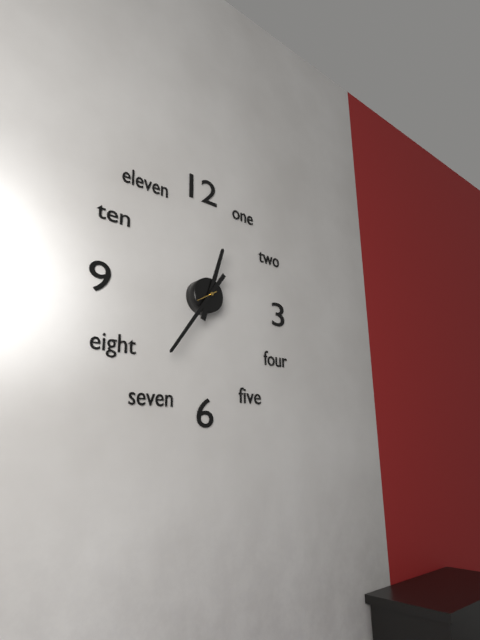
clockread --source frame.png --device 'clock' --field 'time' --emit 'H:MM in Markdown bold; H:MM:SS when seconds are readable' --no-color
**12:36**
